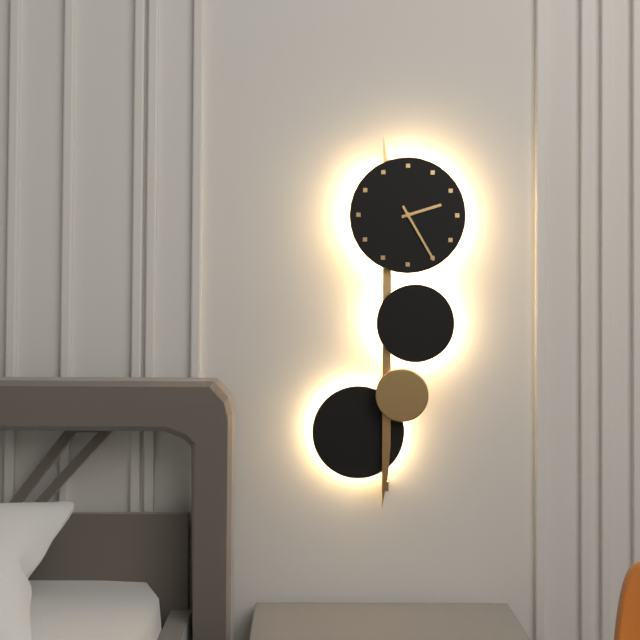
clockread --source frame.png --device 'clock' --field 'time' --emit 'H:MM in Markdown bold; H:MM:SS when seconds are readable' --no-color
**2:25**
